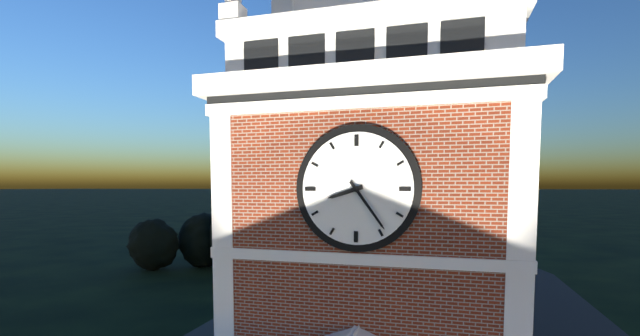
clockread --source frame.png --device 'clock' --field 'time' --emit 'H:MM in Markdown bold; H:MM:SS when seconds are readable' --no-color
**8:24**
